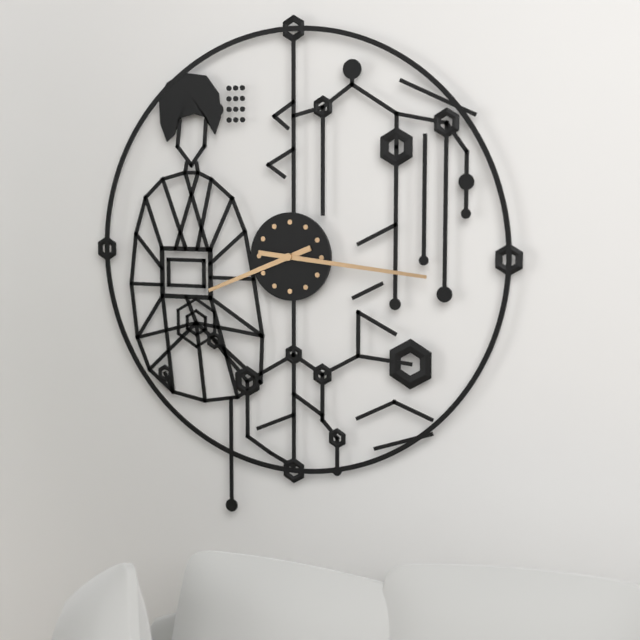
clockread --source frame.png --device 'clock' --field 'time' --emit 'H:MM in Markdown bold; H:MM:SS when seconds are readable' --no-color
**8:16**
